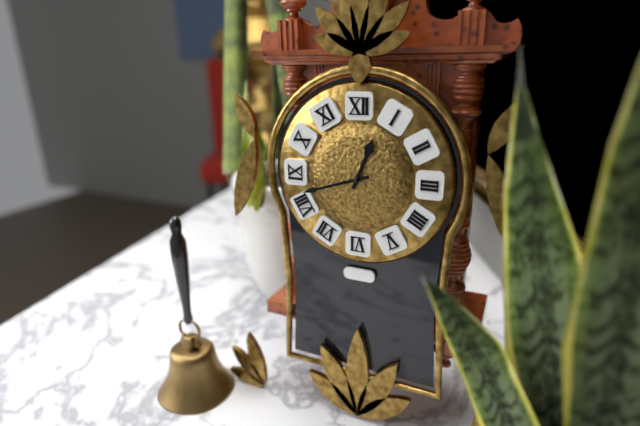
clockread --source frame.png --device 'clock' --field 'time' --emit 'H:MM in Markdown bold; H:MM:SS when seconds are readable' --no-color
**12:42**
